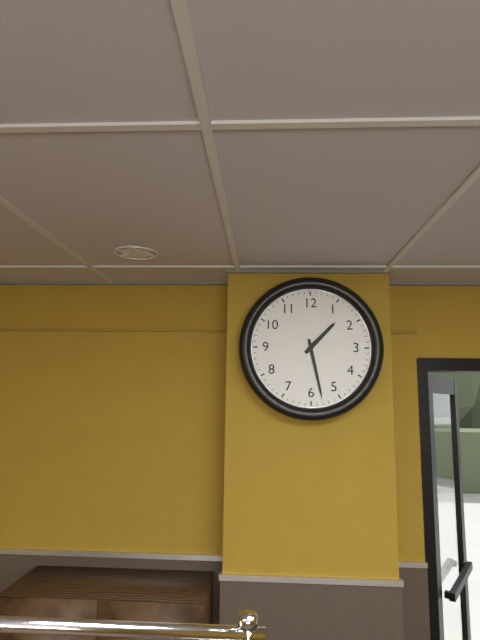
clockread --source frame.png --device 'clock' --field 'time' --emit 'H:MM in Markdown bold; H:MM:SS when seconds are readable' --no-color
**1:28**
